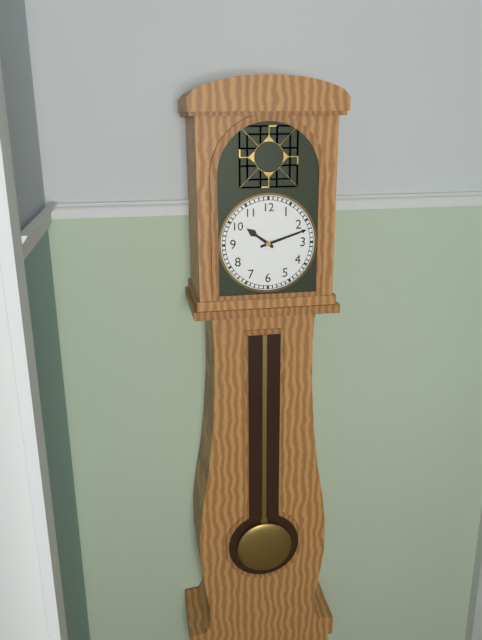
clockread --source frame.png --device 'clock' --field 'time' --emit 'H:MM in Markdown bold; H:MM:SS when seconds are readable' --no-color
**10:12**
